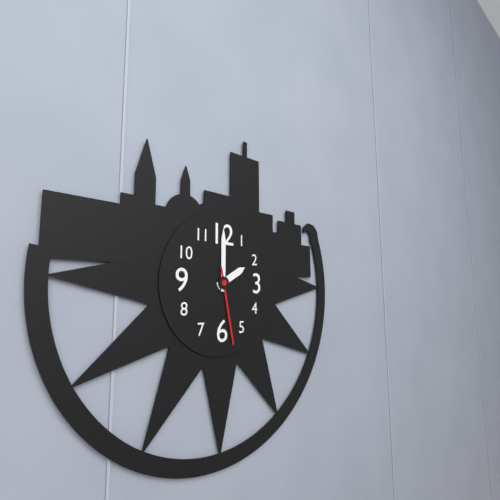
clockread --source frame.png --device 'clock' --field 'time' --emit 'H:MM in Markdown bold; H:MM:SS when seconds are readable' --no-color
**2:00:28**
